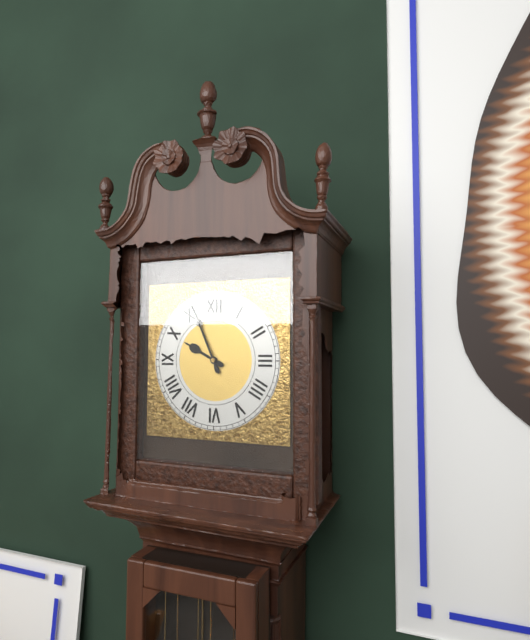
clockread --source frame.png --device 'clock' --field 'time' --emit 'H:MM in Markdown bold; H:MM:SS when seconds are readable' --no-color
**9:56**
